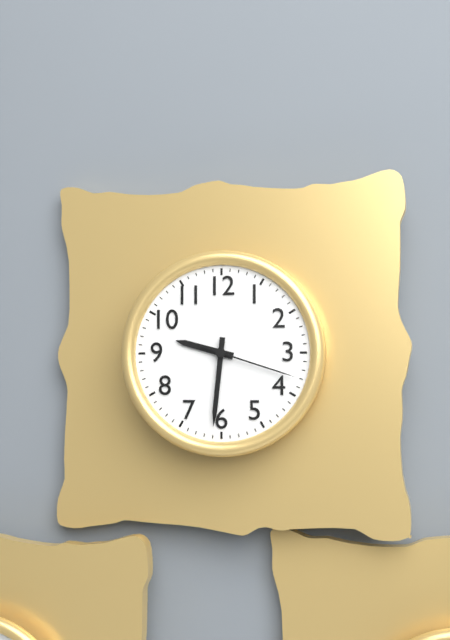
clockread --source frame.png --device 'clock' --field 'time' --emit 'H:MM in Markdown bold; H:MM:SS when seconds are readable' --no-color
**9:31:18**
